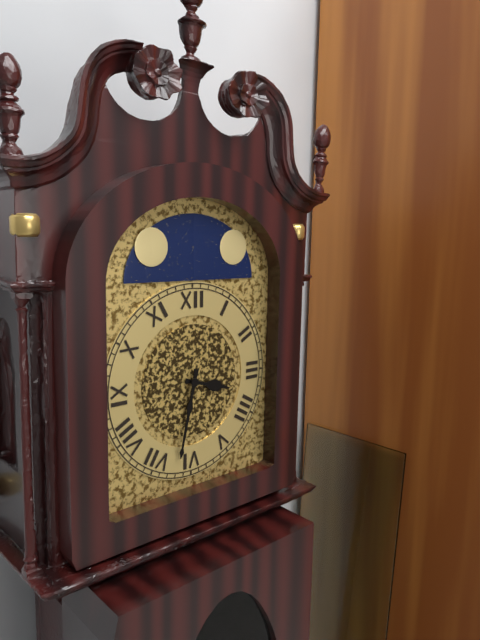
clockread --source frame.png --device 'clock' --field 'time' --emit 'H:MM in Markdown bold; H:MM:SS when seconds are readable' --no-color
**3:32**
